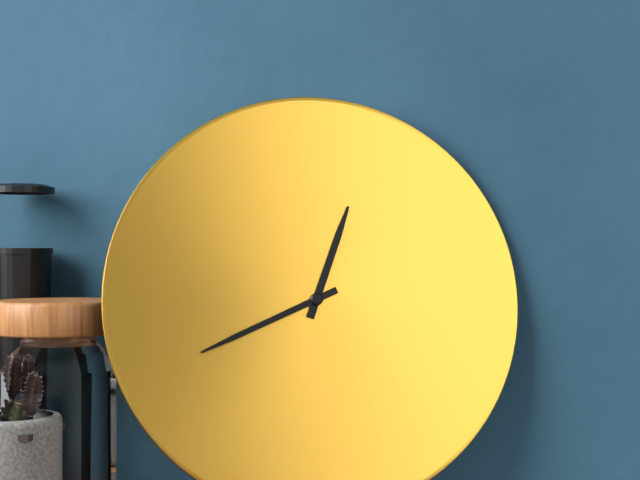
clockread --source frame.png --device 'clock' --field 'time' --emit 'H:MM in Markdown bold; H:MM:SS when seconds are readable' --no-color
**12:41**
